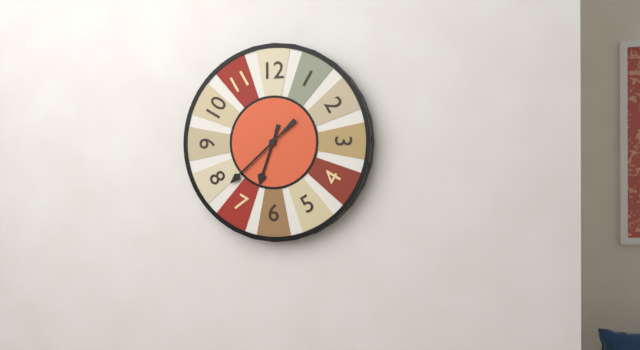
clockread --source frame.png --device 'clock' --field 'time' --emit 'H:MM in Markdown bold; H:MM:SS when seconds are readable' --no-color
**6:38**
